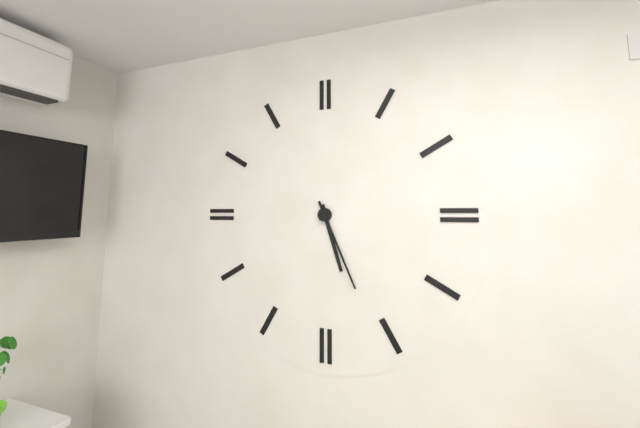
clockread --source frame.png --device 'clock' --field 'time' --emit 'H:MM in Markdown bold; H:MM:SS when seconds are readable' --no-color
**5:26**
